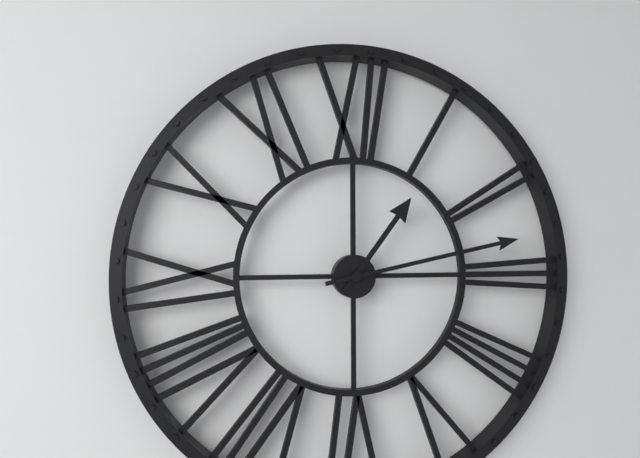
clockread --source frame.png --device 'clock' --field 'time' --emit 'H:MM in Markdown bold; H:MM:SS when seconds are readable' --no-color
**1:13**
